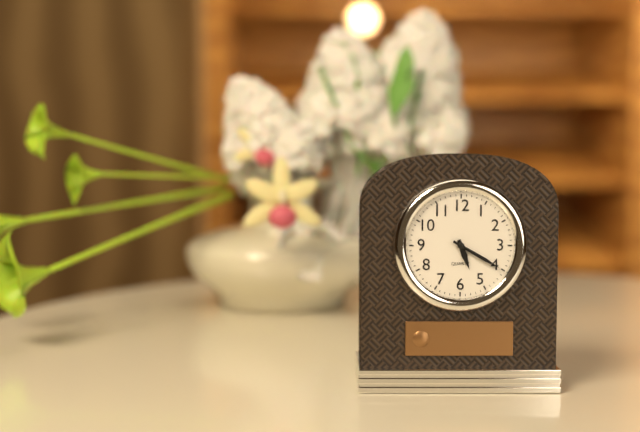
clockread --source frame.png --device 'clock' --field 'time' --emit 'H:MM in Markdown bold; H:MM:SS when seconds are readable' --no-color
**5:20**
